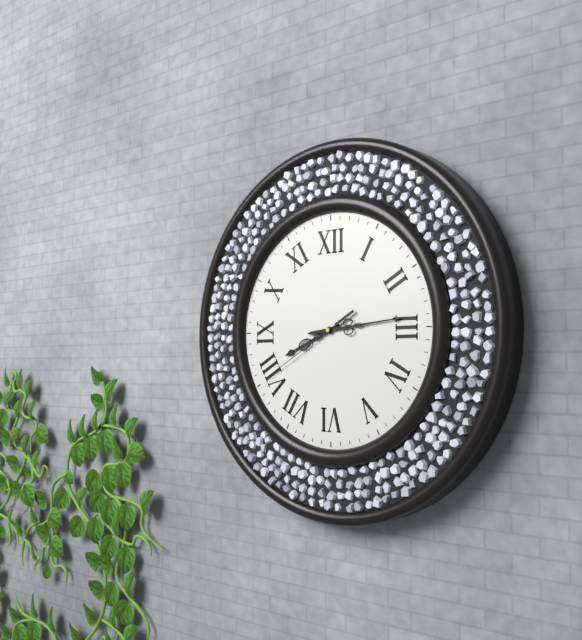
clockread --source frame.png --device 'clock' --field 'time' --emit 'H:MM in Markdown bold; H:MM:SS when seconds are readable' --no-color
**8:14:40**
